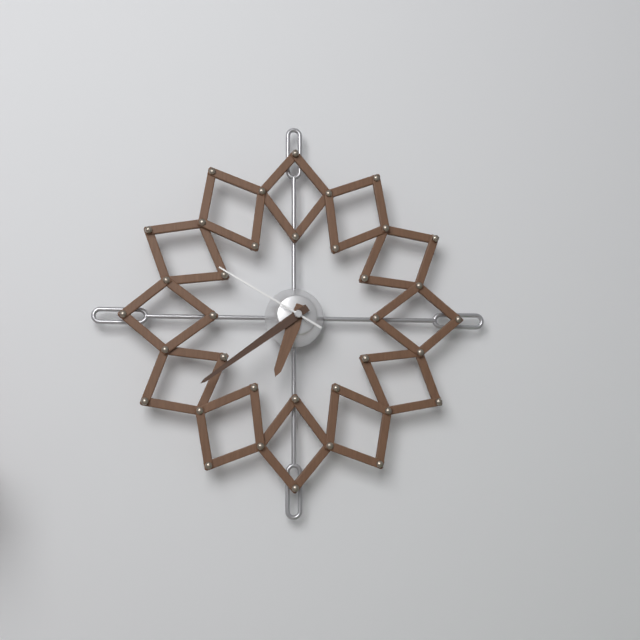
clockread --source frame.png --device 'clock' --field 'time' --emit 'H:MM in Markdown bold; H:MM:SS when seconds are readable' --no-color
**6:39:50**
